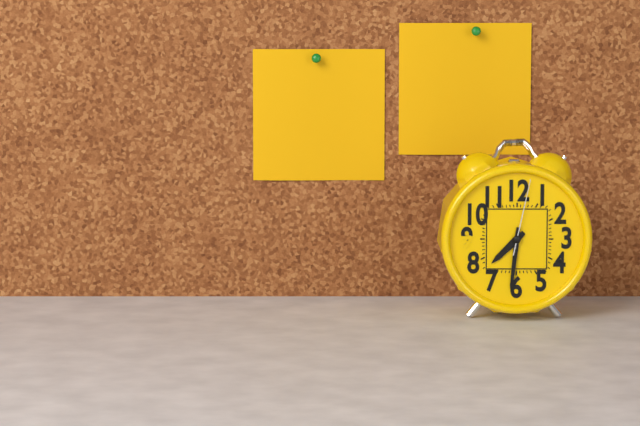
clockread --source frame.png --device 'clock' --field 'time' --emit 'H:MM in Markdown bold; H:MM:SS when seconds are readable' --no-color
**7:31:02**
